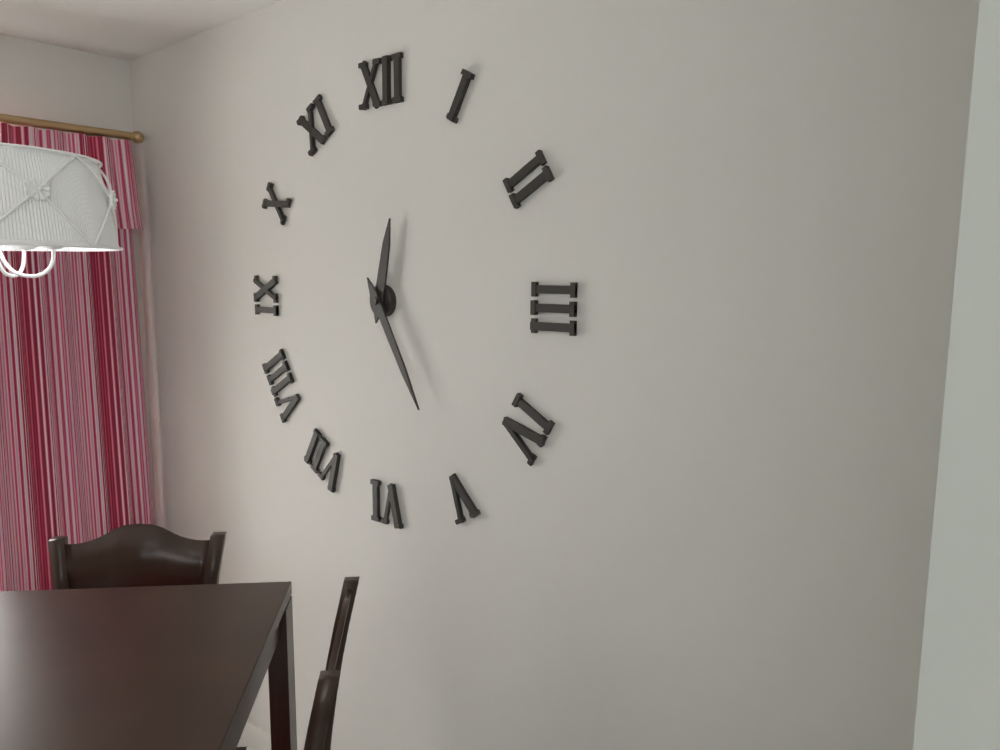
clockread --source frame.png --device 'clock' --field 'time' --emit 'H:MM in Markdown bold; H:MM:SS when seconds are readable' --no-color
**12:25**
